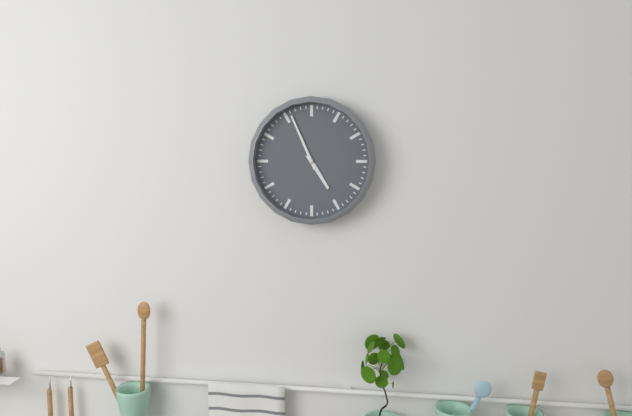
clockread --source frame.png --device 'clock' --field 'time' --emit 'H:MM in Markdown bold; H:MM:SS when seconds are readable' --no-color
**4:56**
